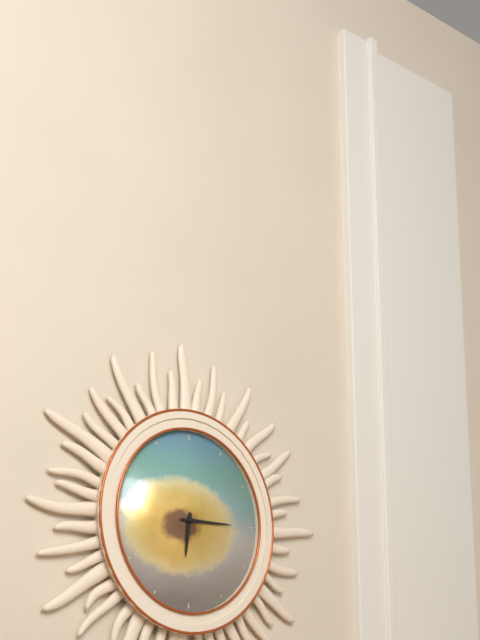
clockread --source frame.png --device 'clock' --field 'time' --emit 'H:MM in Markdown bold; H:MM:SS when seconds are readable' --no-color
**6:15**
